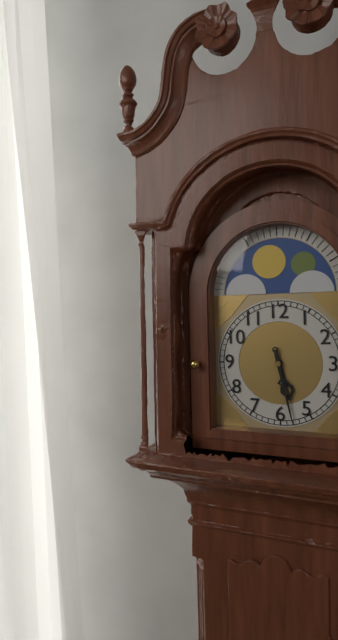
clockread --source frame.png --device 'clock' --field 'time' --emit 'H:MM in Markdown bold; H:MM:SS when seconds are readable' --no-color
**5:28**
